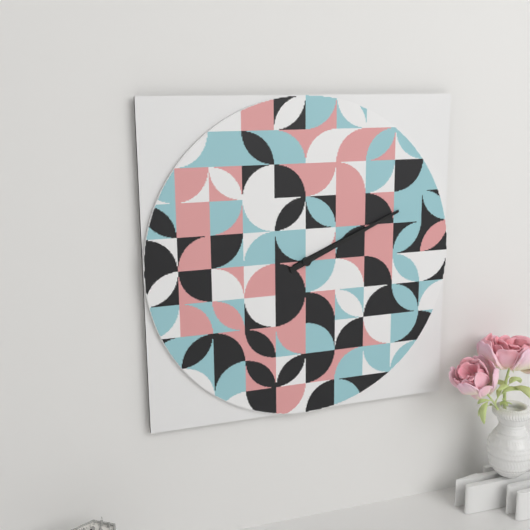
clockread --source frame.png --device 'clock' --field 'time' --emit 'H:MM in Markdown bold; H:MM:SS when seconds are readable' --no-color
**2:11**
